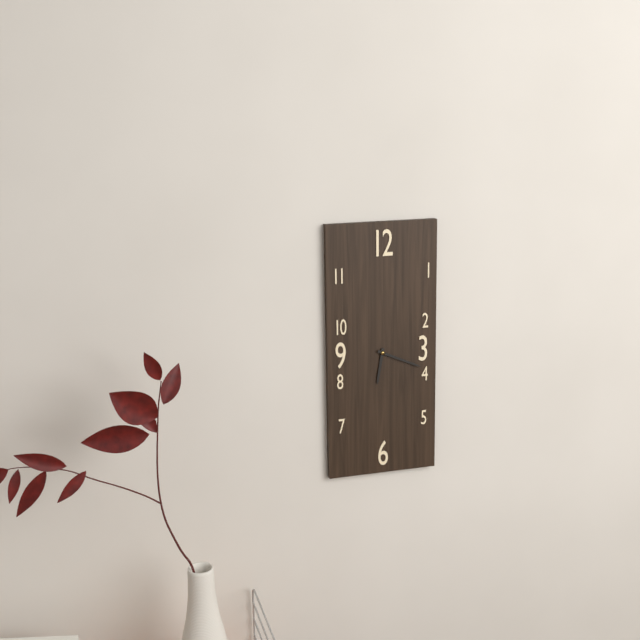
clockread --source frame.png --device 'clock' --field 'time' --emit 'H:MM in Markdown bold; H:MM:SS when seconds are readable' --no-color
**6:19**
